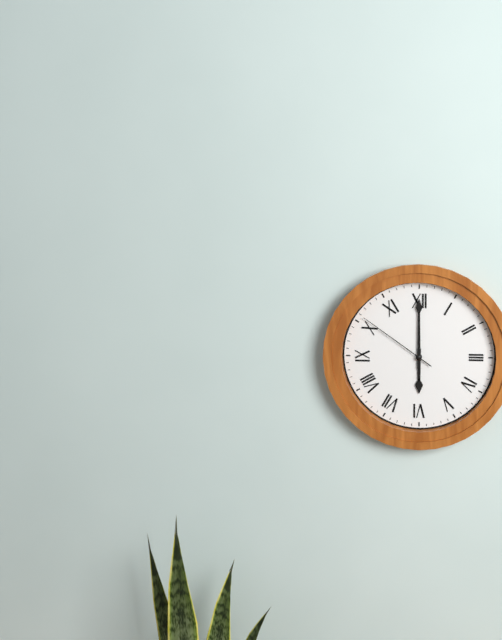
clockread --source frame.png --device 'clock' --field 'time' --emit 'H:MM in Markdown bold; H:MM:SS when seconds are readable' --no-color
**6:00:51**
